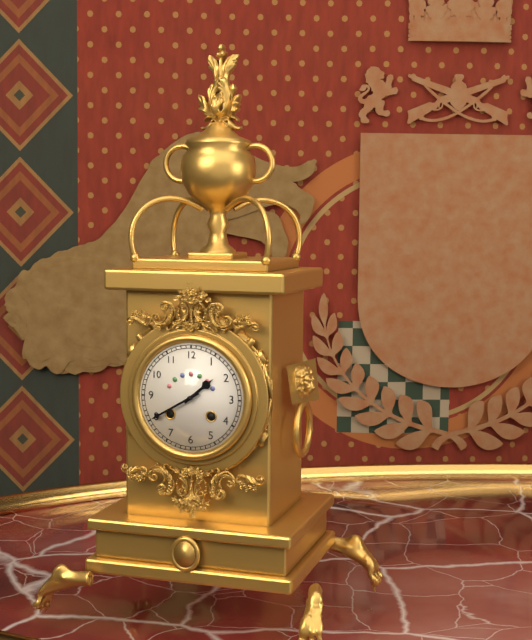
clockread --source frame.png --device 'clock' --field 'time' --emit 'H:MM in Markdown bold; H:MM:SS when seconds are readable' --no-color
**1:40**
